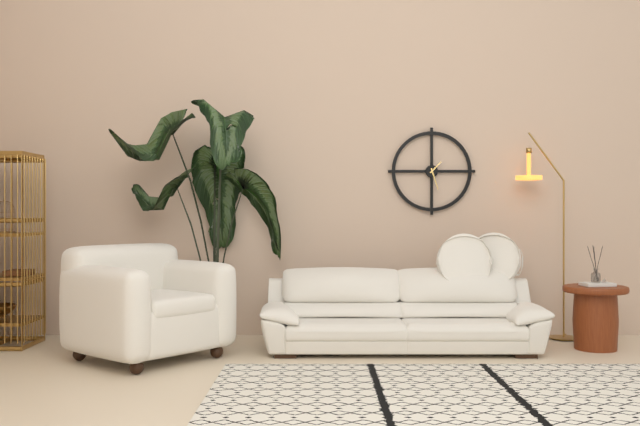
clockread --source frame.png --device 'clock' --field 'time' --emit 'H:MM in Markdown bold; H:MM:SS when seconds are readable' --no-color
**1:27**
